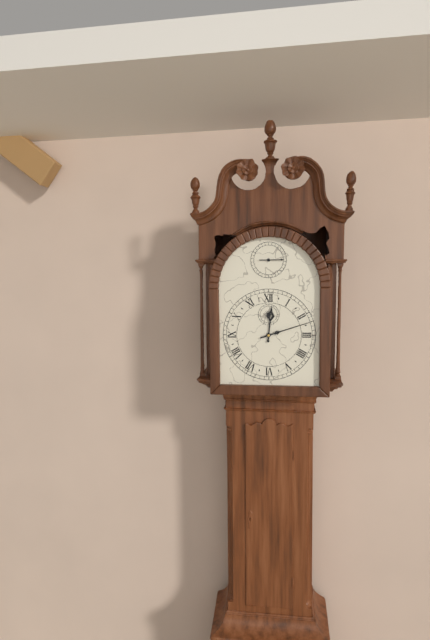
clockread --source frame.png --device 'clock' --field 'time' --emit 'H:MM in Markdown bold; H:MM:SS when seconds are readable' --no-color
**12:12**
